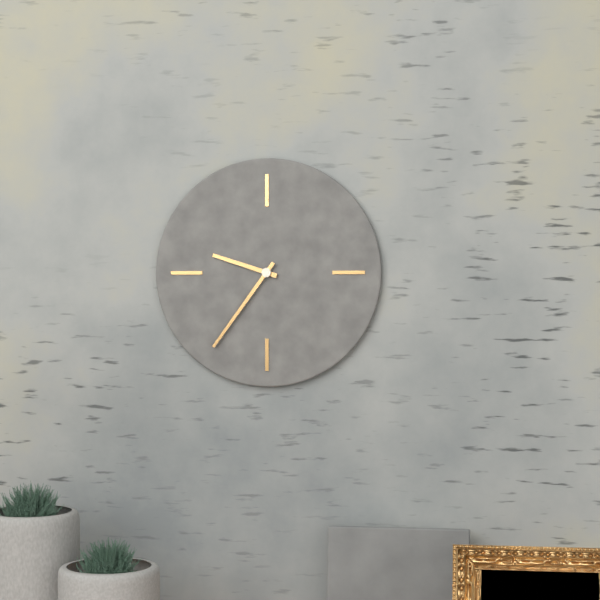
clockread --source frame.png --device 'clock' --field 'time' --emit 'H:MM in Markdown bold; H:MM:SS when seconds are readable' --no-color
**9:36**
